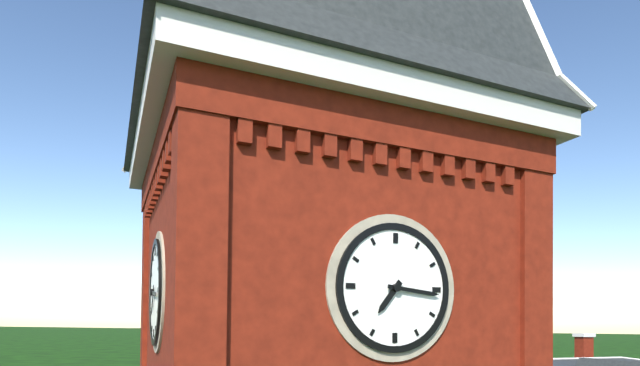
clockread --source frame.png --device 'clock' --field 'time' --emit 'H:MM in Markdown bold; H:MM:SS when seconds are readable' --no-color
**7:16**
